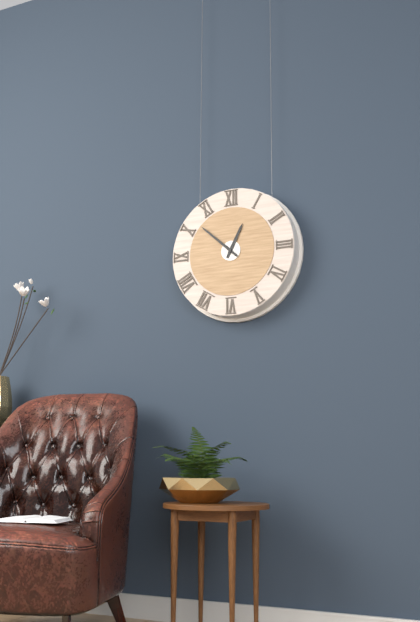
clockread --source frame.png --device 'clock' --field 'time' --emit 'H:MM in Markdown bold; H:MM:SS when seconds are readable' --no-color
**12:52**
